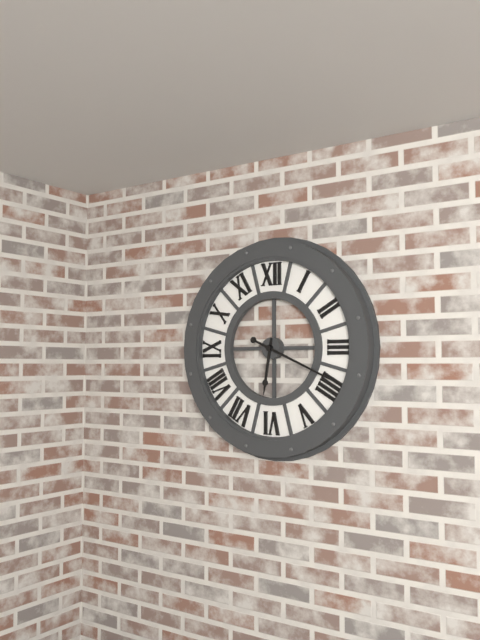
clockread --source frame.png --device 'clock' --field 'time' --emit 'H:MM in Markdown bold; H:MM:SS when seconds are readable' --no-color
**6:19**
